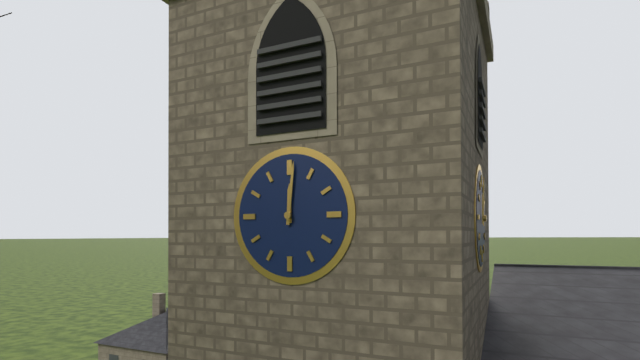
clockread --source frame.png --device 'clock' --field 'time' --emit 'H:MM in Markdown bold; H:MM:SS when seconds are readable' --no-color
**12:01**
